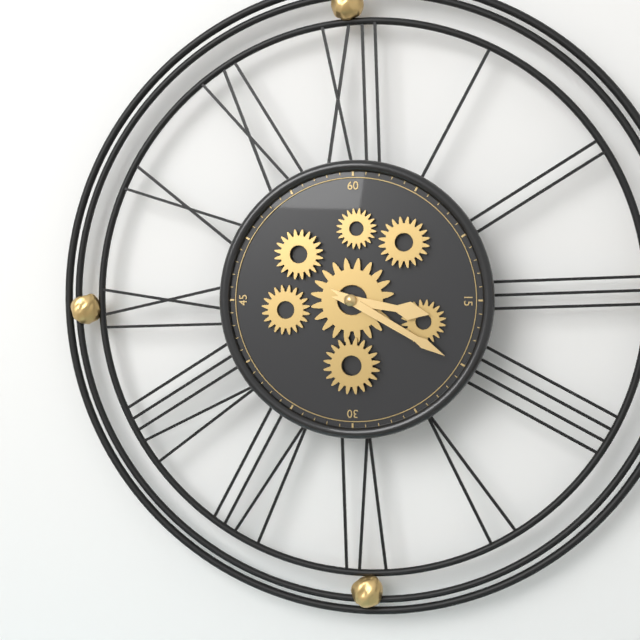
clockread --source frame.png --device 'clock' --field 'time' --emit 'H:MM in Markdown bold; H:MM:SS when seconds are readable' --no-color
**3:20**
